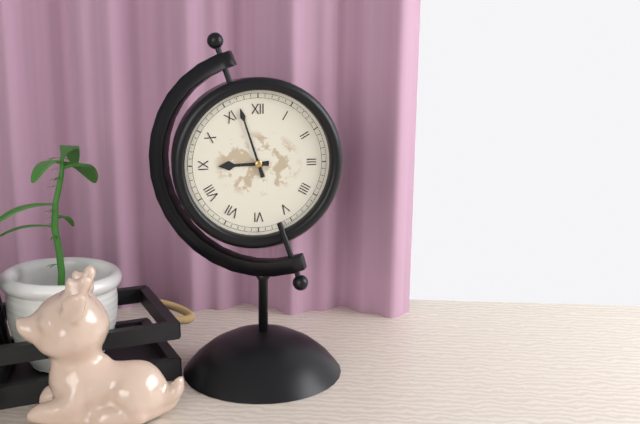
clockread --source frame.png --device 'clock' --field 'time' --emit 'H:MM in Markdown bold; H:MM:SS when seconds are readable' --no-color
**8:57**
